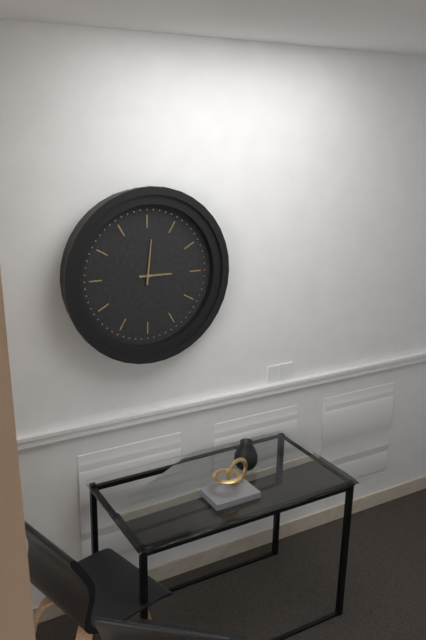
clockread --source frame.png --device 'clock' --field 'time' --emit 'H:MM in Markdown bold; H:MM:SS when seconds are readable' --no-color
**3:01**
